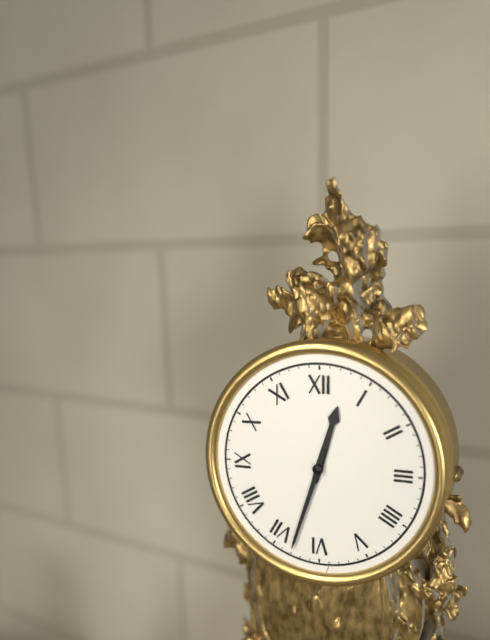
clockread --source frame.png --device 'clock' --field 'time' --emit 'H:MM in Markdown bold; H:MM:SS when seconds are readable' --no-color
**12:33**
